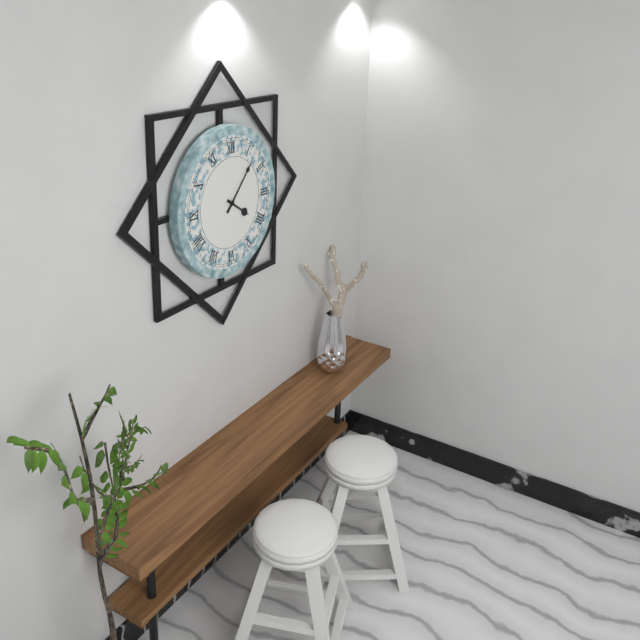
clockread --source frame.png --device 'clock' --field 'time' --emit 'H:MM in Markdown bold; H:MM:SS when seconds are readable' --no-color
**4:07**
